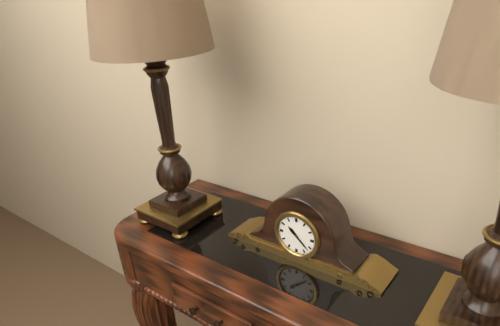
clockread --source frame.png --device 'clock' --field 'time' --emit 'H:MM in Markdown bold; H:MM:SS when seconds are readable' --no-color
**10:22**
